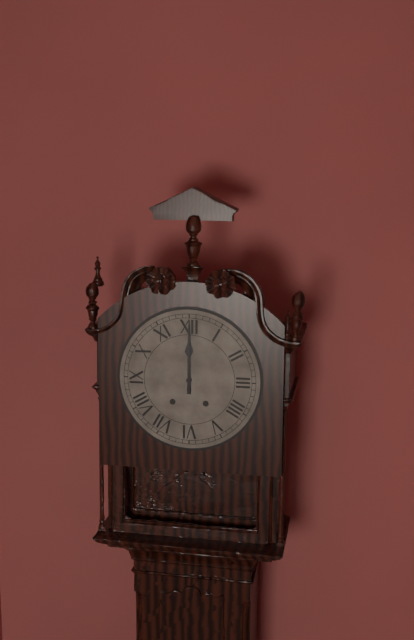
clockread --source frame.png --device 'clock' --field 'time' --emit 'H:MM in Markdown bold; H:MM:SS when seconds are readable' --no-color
**12:00**
